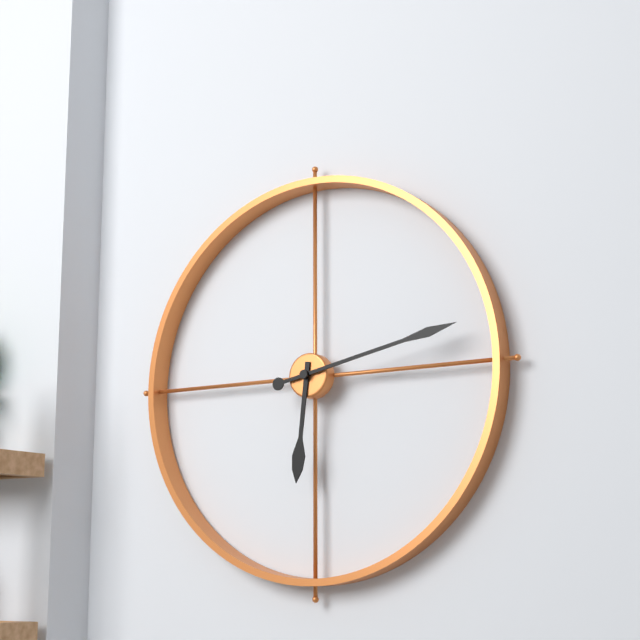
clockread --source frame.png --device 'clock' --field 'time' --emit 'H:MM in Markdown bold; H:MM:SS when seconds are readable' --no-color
**6:13**
